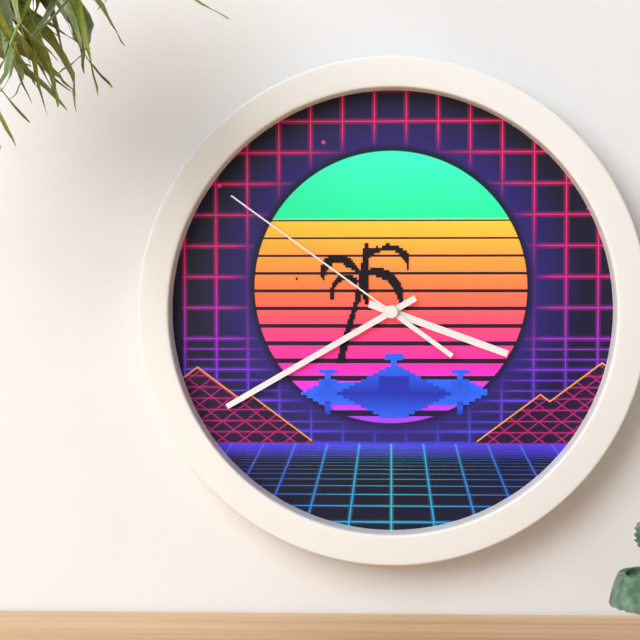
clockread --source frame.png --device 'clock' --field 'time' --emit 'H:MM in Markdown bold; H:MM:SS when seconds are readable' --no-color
**3:40:51**
